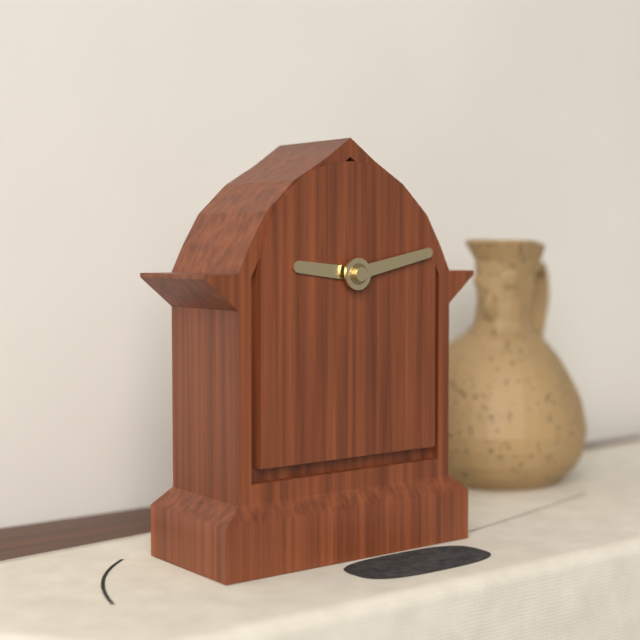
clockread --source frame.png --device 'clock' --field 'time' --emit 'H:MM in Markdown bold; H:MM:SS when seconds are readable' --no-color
**9:13**
